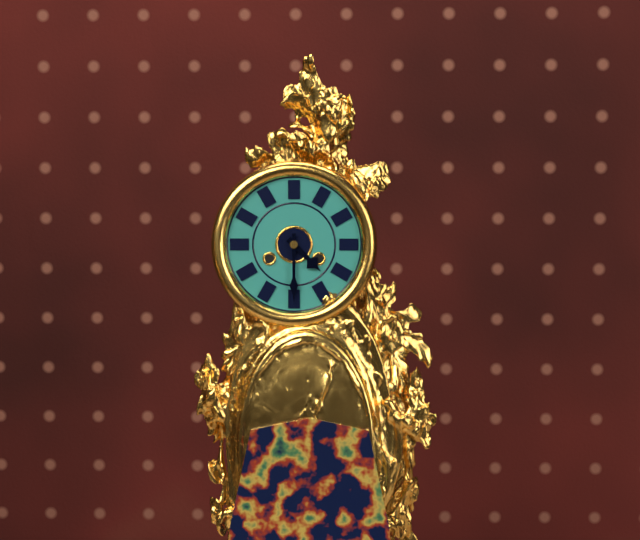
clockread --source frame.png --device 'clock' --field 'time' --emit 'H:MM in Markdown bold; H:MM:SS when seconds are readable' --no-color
**4:30**
